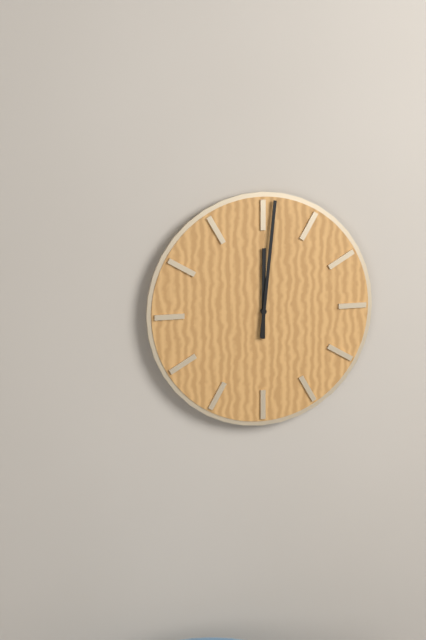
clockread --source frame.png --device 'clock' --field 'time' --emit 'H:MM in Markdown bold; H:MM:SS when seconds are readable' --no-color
**12:01**
